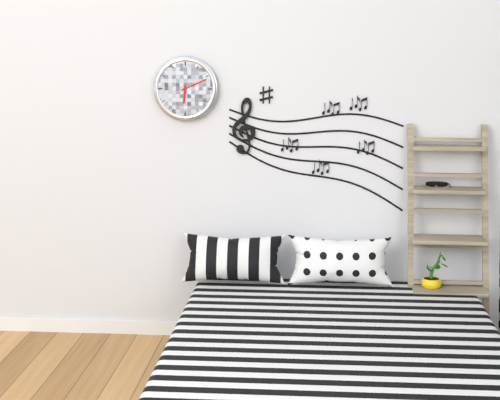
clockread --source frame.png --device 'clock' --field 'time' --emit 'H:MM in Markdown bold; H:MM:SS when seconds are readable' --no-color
**6:11**
